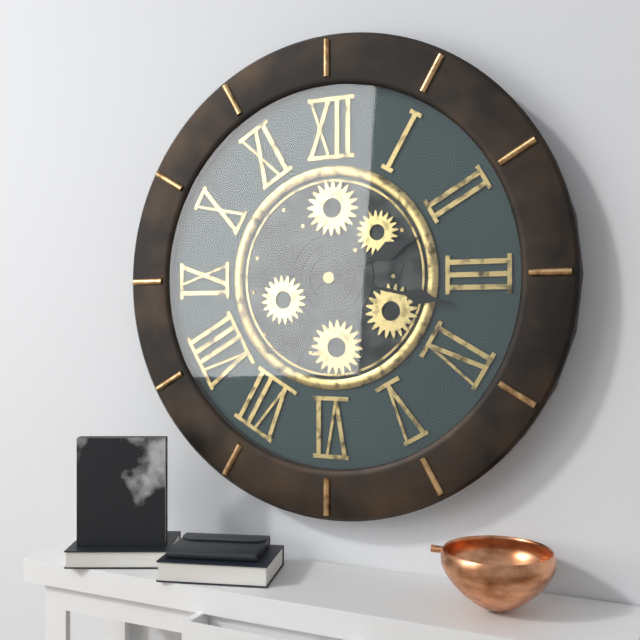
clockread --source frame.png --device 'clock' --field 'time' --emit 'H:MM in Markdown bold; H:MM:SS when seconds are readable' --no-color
**2:17**
